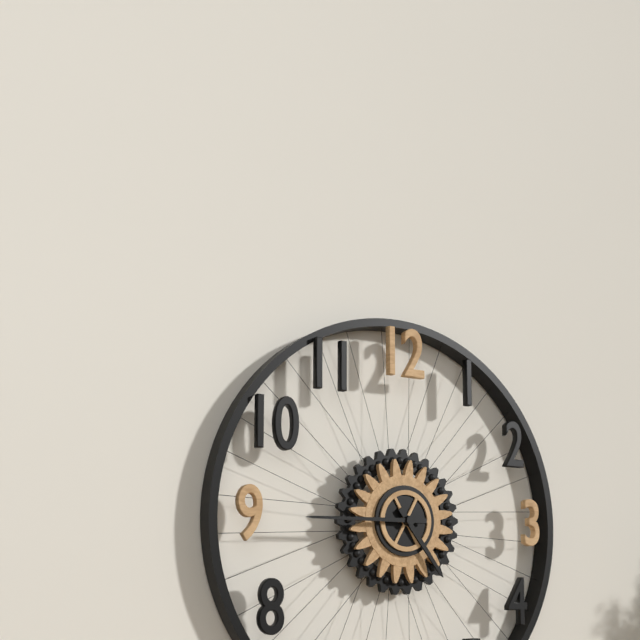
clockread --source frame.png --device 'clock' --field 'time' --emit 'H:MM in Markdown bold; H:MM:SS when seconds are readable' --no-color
**4:45**
